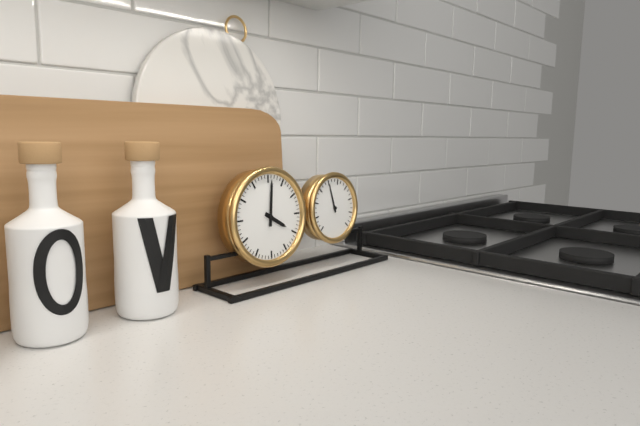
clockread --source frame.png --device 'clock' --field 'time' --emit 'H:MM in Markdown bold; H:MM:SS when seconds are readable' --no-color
**4:01**
